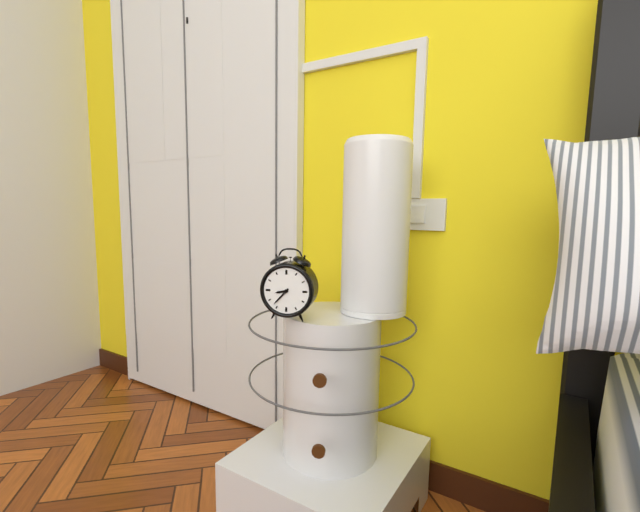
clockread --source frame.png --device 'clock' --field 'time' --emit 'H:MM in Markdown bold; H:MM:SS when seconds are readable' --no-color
**8:37**
